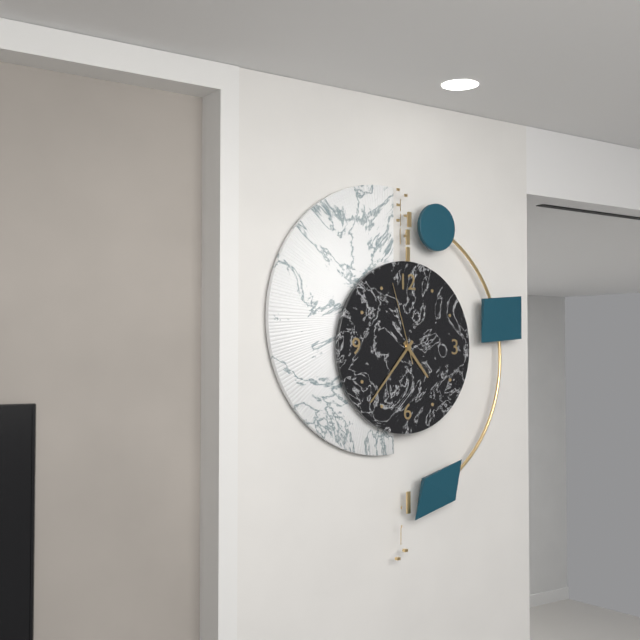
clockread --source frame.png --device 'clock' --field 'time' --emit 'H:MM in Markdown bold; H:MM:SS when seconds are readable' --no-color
**4:37:57**
